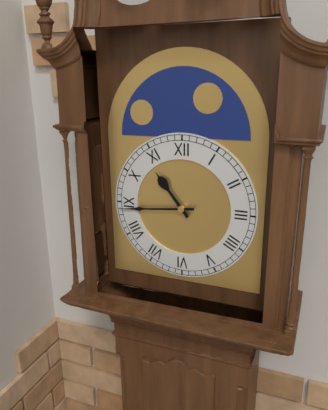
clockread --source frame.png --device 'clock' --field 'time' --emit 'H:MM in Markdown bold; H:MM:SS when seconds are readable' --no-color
**10:44**
